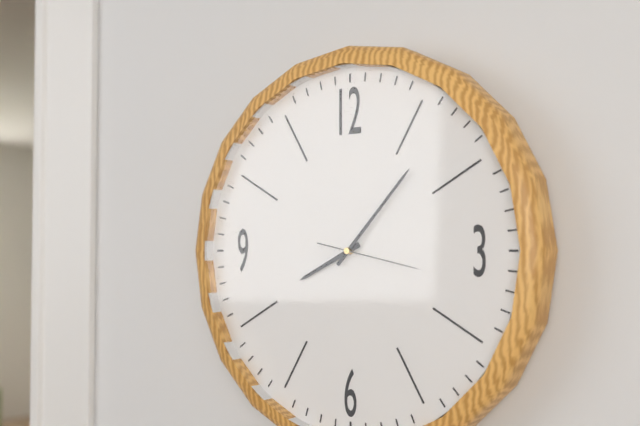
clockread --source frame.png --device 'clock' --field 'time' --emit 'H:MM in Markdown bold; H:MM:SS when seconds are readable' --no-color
**8:07:17**
